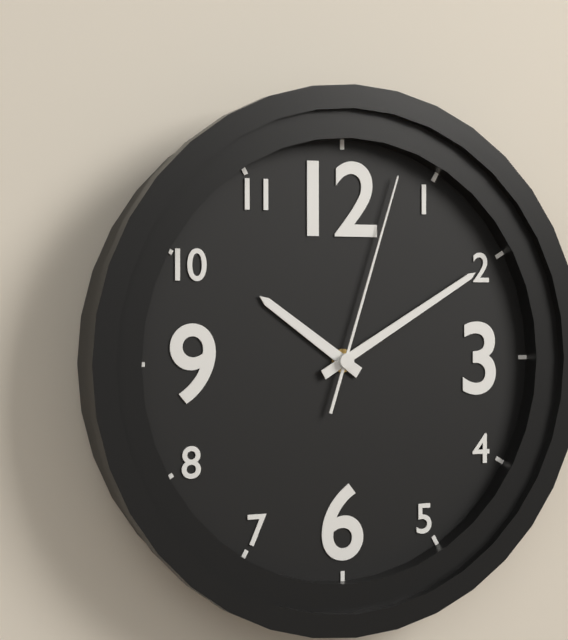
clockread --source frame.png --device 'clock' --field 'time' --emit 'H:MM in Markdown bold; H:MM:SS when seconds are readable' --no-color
**10:10:03**
